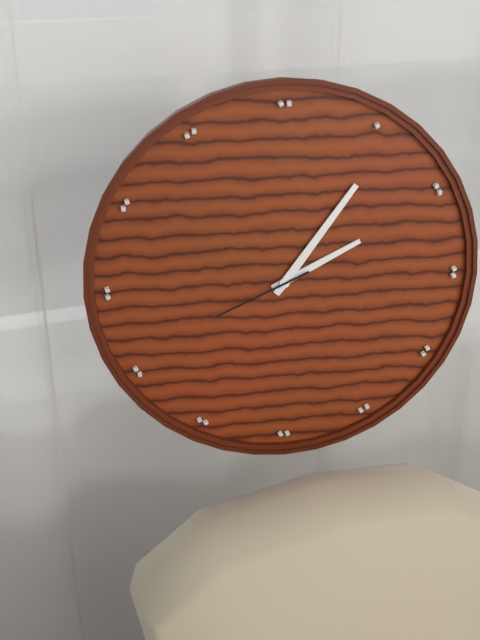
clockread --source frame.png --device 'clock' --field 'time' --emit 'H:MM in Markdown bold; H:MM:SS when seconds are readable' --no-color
**2:06:41**
